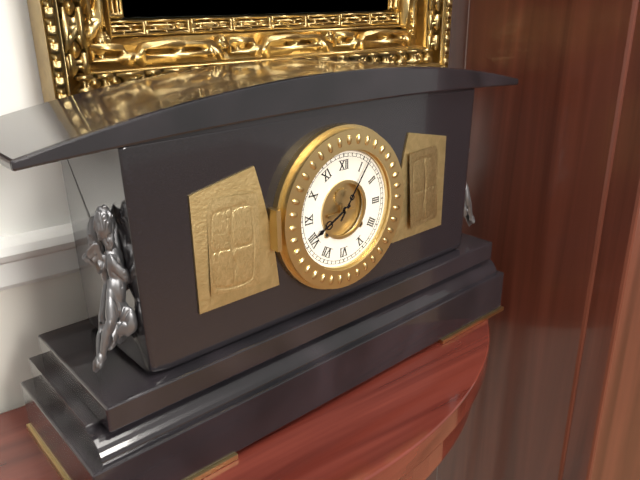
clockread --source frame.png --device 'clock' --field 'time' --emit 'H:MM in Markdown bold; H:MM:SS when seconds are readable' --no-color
**8:06**
